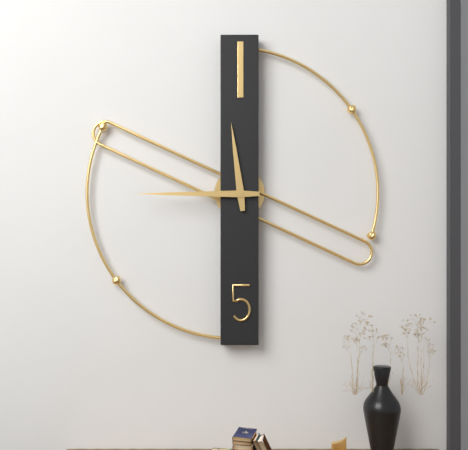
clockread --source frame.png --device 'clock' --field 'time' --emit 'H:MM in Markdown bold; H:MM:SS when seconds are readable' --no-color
**11:45**
